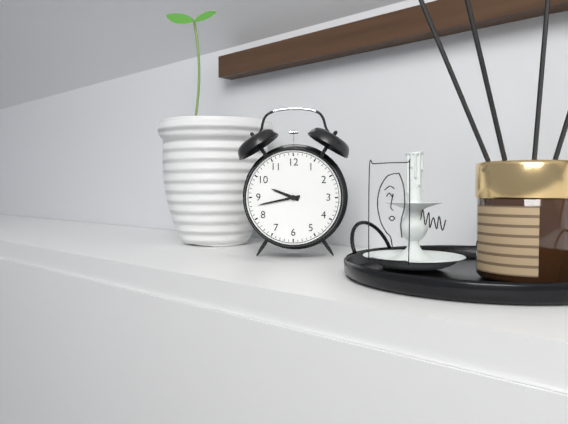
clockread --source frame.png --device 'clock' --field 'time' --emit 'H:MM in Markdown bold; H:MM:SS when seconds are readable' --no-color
**9:43**
